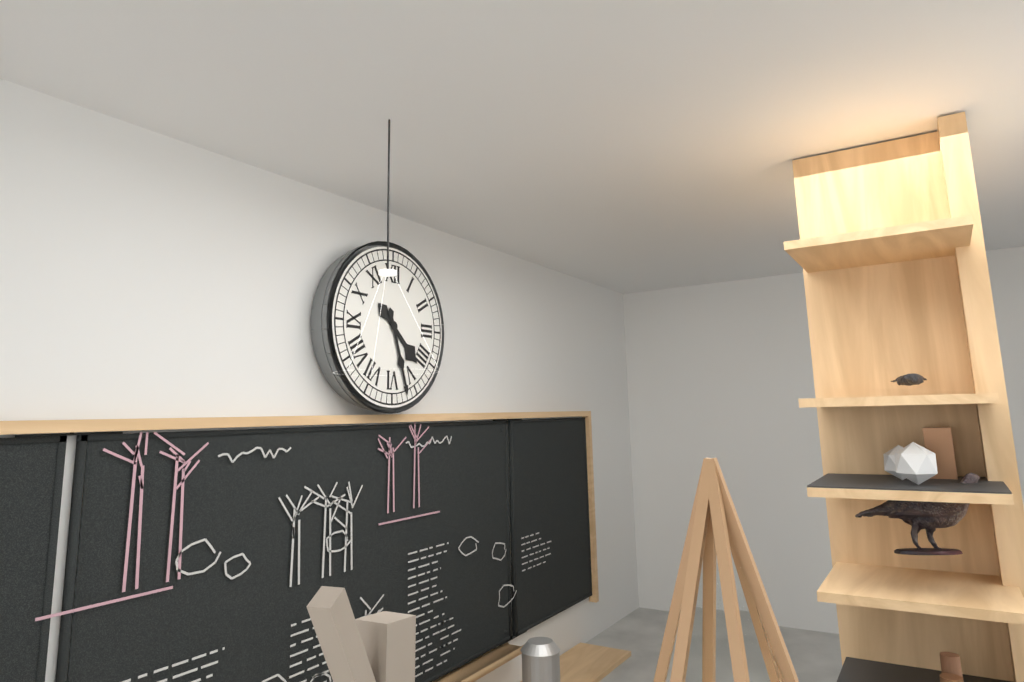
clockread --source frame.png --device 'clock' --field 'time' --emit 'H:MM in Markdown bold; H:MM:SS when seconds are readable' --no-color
**4:27**
